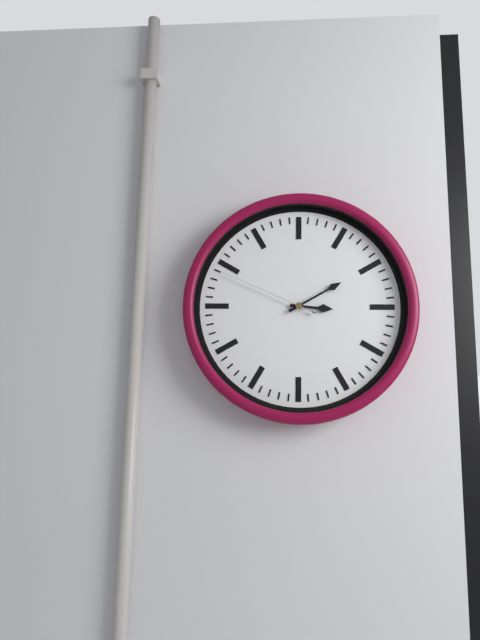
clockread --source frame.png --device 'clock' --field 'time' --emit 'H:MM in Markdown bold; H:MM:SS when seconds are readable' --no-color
**3:10:49**
